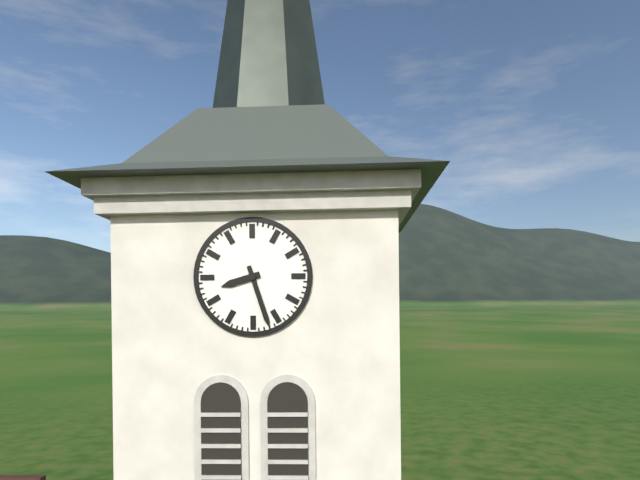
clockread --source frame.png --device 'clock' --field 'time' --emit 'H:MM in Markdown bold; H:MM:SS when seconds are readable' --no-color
**8:27**
